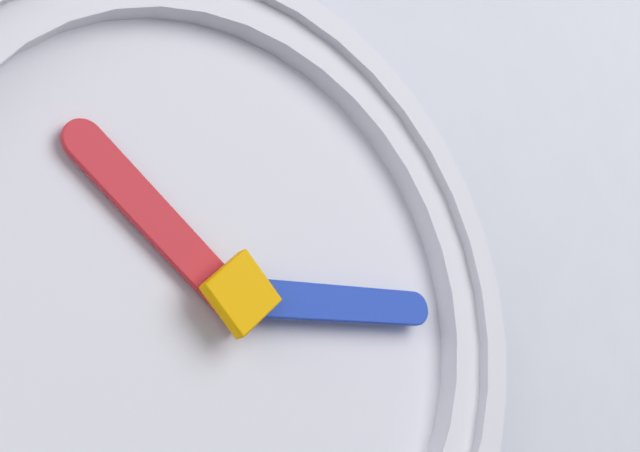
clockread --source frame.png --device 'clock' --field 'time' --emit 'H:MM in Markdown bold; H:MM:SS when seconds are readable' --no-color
**10:14**
